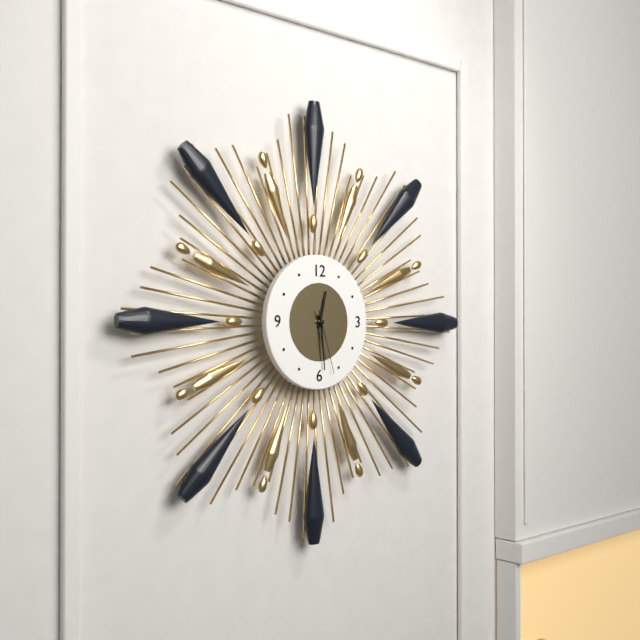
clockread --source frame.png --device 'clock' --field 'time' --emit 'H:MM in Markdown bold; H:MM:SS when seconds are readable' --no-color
**12:29:27**
